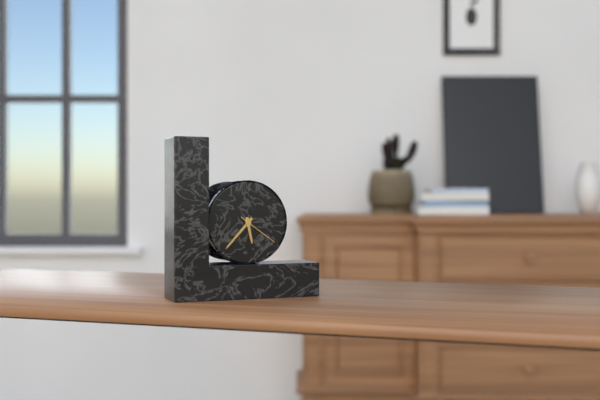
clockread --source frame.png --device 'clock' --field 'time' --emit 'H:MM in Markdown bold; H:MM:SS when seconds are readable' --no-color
**5:37**
